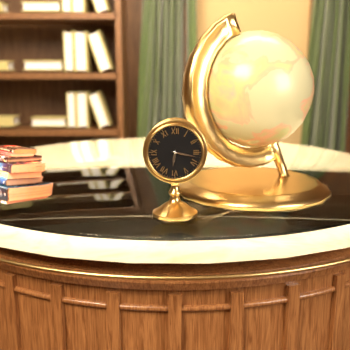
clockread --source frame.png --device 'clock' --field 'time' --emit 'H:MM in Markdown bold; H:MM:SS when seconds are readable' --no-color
**6:17**
